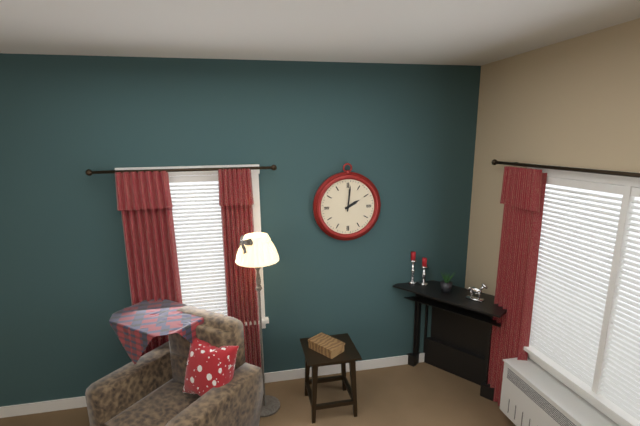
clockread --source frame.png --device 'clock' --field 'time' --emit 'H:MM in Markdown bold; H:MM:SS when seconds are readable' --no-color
**2:01**
